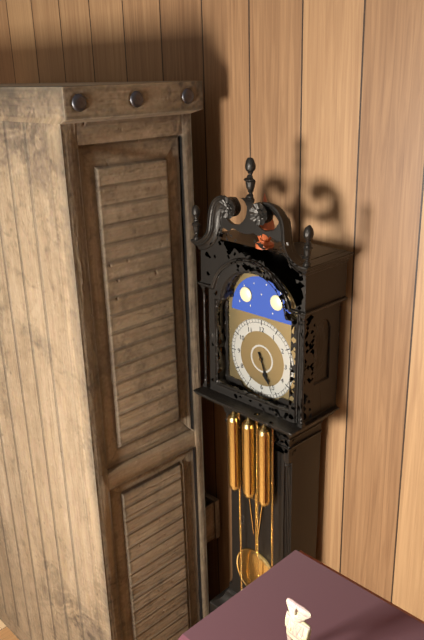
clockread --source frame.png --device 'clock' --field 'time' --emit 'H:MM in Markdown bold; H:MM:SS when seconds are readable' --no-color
**5:26**
